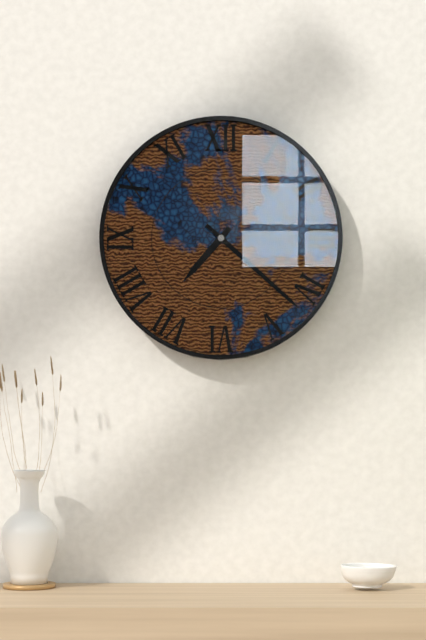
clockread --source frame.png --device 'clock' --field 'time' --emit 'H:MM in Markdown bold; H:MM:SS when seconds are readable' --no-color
**7:22**
